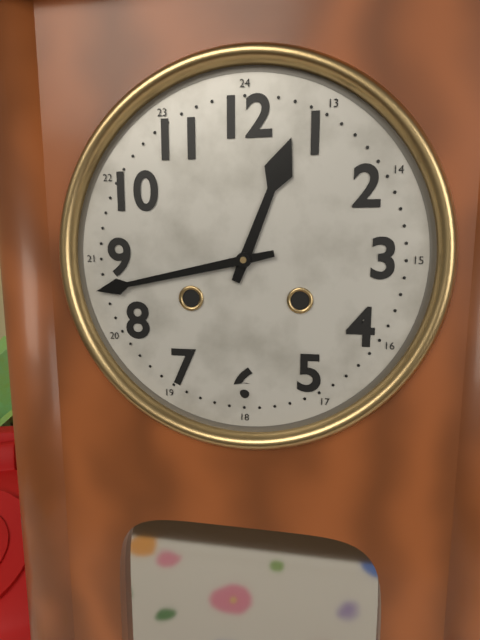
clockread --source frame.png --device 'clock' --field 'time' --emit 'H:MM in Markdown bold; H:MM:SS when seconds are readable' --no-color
**12:43**
